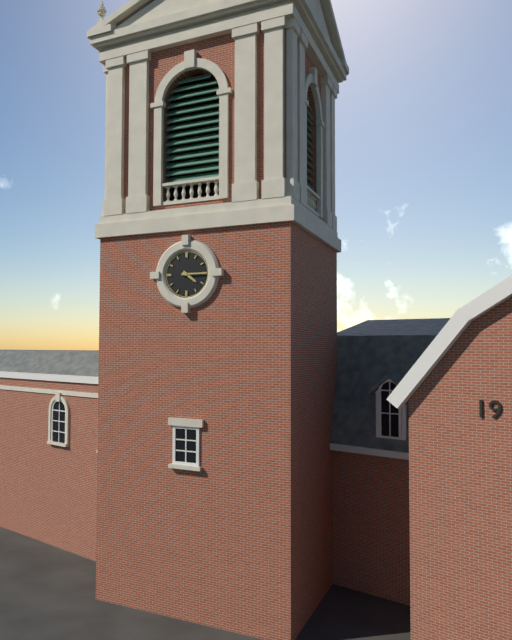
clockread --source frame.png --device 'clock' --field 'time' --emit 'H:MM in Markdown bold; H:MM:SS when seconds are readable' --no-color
**4:15**
